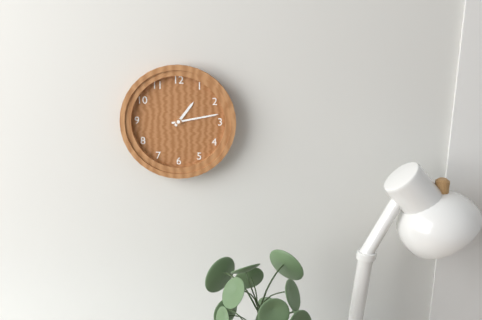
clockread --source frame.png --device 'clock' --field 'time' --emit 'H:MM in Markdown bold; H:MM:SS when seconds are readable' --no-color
**1:13**
